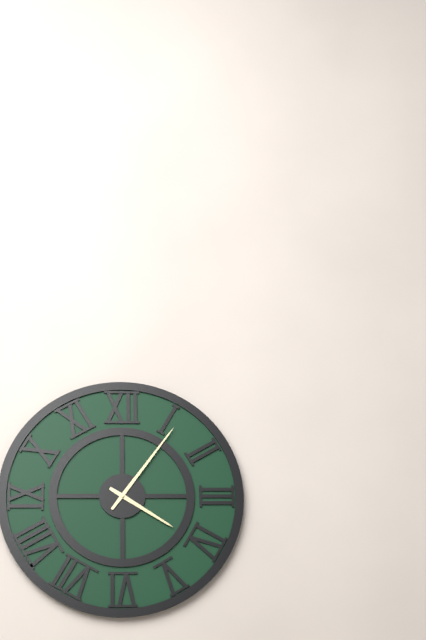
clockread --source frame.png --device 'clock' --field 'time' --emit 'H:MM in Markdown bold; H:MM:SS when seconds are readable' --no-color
**4:06**
